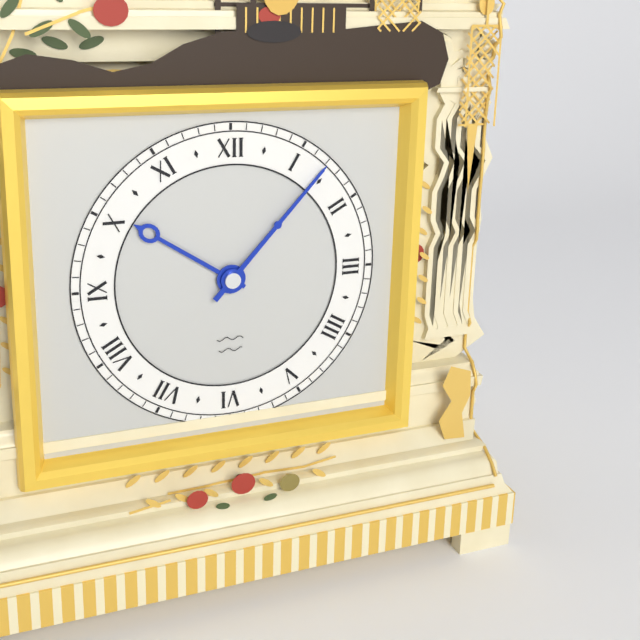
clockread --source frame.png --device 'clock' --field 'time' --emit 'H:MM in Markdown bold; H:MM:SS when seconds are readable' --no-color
**10:07**
